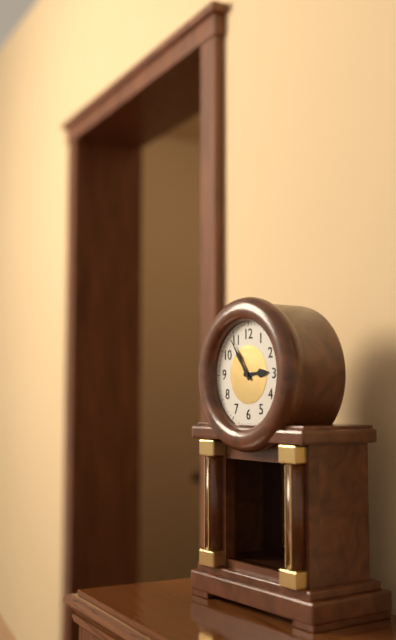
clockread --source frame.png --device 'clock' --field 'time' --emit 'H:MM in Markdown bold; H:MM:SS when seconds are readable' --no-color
**2:54**
